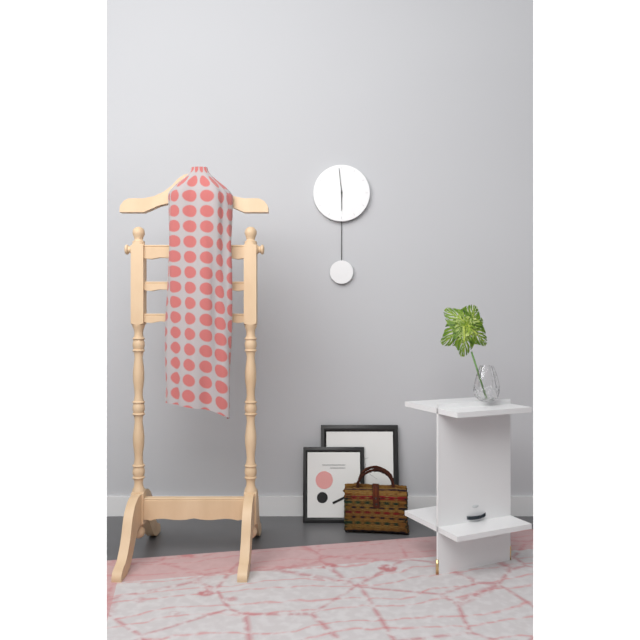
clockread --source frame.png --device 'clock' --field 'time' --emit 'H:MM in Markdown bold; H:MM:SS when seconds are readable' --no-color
**5:59**
